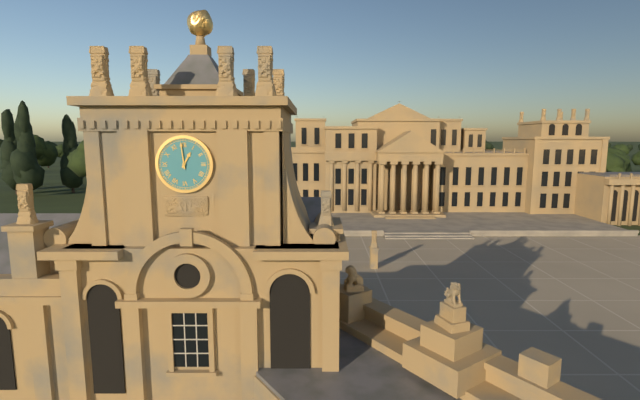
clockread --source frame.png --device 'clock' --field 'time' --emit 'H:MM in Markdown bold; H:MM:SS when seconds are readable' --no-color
**12:59**
